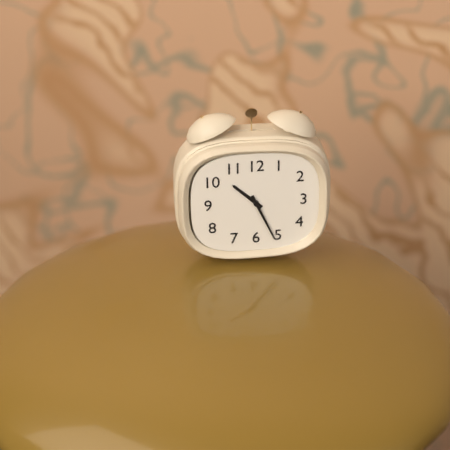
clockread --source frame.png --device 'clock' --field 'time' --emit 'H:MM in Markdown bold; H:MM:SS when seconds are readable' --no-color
**10:26**
